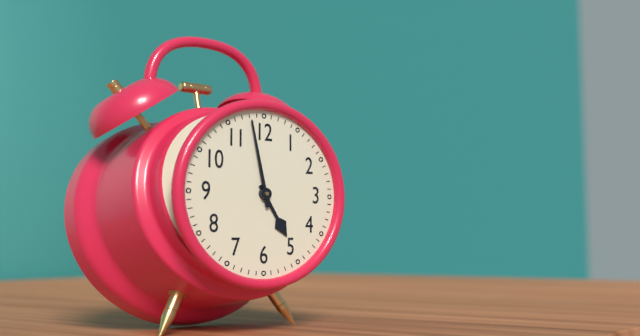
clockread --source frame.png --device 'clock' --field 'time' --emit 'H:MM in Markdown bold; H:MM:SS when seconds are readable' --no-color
**4:58**
